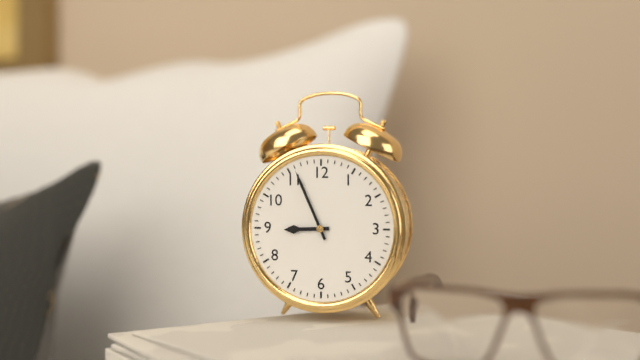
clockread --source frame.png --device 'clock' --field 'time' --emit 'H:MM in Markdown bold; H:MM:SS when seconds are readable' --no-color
**8:56**
